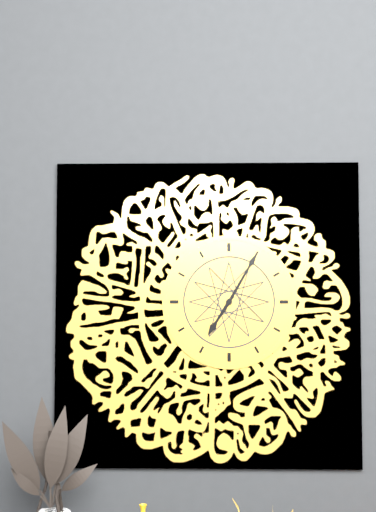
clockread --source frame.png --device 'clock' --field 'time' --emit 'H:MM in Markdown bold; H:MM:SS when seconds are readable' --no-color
**7:05**
